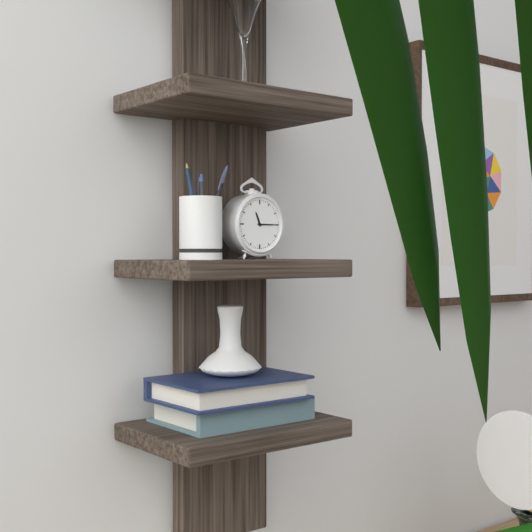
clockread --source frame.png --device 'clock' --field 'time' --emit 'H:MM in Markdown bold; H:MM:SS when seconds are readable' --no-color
**11:15**
